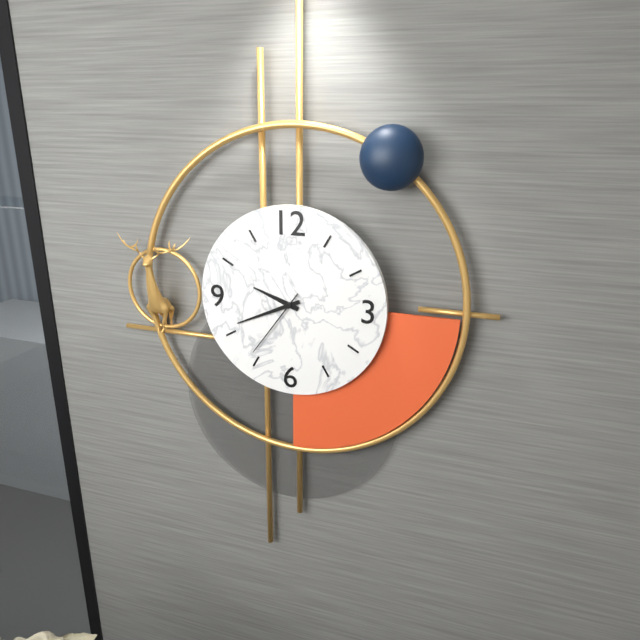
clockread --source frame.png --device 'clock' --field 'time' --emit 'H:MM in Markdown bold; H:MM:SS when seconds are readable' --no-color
**9:41:36**
